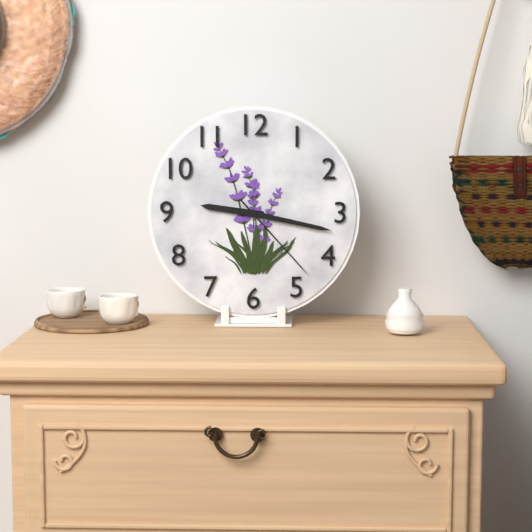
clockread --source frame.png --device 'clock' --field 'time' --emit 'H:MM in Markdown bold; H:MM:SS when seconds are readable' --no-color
**9:17:23**
